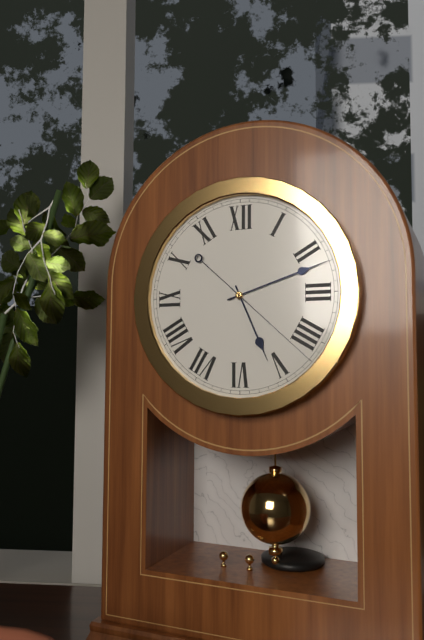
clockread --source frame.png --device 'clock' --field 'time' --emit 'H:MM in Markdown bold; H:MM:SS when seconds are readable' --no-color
**5:12:22**
